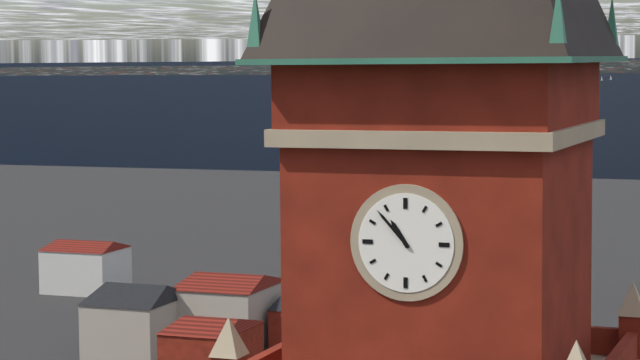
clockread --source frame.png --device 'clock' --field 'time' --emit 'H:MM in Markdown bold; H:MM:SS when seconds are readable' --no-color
**10:53**
